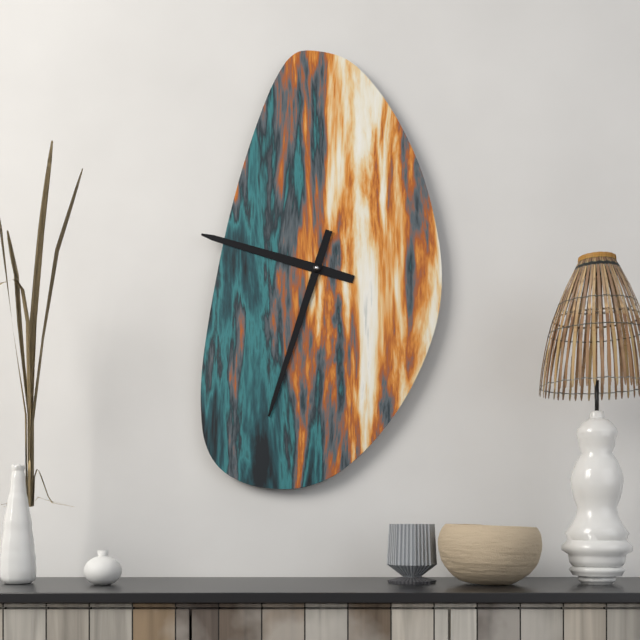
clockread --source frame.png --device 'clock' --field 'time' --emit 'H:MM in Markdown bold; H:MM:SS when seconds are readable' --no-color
**9:33**
